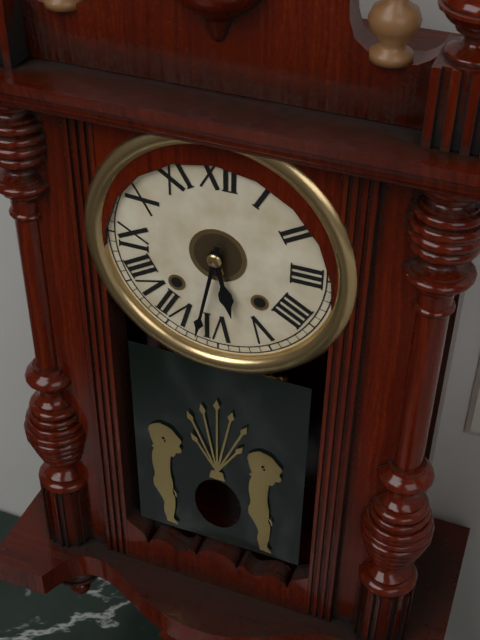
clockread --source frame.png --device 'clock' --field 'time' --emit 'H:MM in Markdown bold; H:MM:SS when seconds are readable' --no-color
**5:32**
